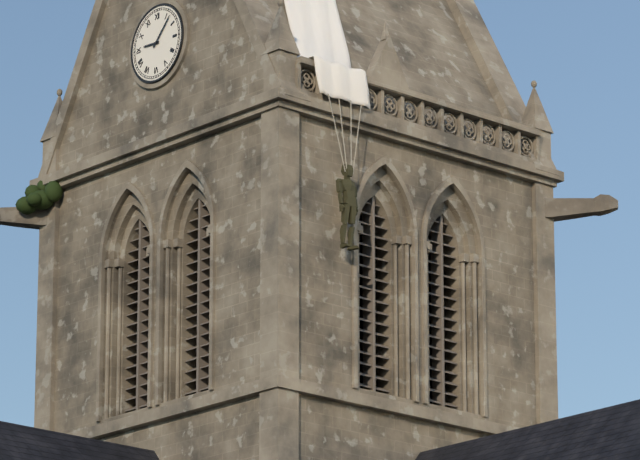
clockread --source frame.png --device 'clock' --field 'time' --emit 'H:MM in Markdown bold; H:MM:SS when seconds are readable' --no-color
**9:07**
